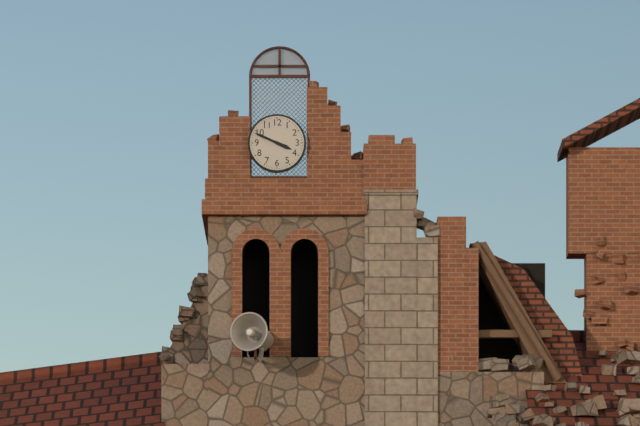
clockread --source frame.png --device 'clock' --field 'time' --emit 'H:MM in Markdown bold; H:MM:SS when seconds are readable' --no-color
**3:49**
